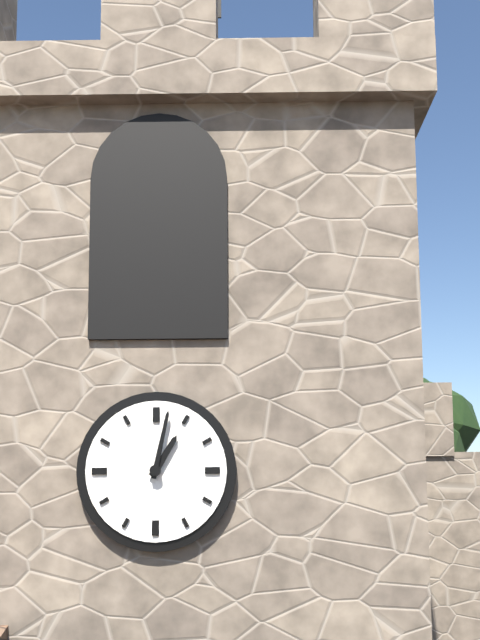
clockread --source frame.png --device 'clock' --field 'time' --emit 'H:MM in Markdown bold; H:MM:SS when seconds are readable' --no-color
**1:02**
